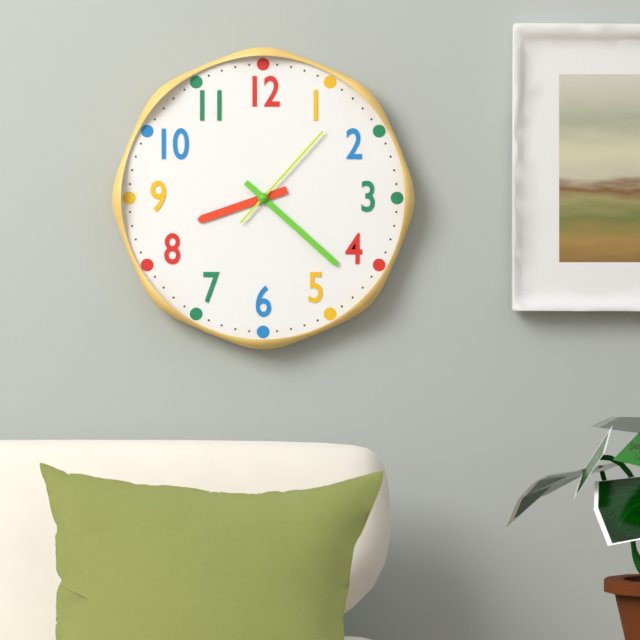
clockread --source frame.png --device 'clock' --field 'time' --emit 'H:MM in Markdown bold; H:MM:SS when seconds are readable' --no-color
**8:22:07**
